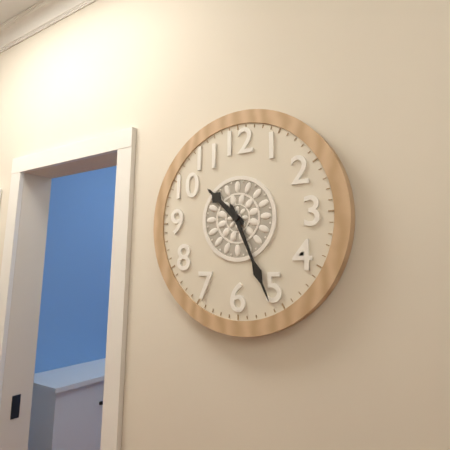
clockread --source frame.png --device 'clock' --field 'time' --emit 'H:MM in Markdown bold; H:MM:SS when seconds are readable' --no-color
**10:26**
